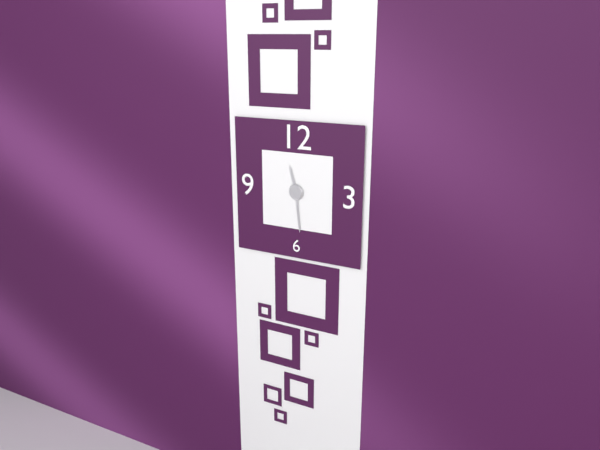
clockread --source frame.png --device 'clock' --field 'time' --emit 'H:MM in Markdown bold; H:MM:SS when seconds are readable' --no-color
**11:29**
